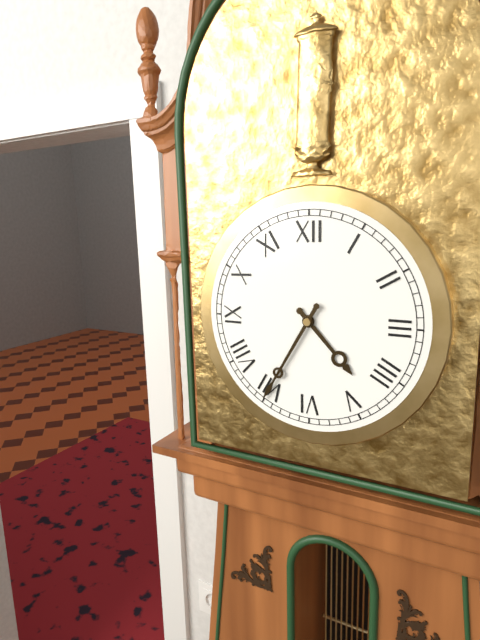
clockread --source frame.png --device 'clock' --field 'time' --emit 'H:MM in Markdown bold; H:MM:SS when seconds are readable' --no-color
**4:35**
